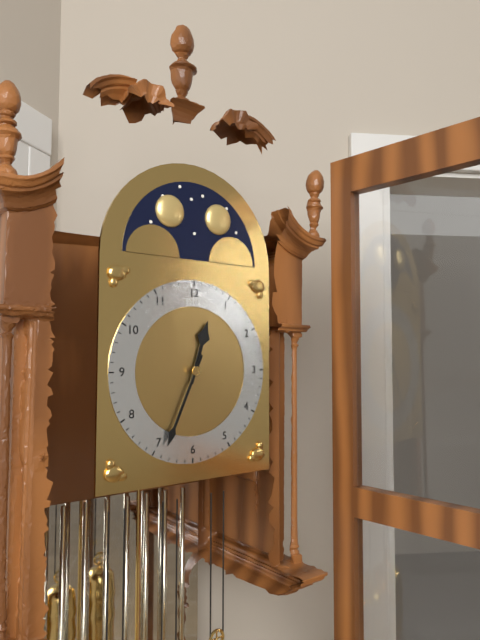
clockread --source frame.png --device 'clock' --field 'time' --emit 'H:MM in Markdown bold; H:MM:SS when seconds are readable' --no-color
**12:34**
